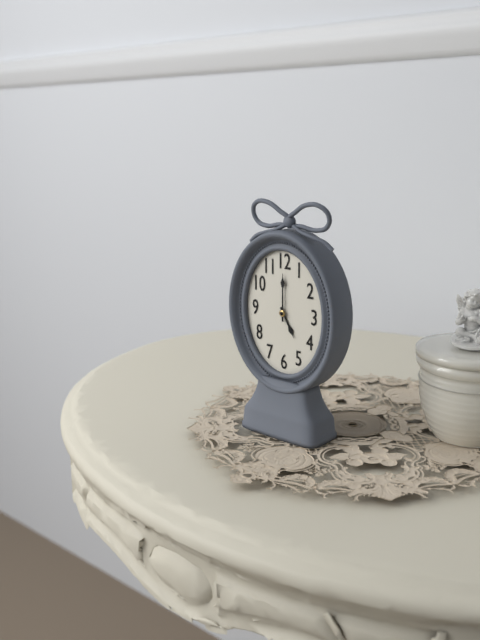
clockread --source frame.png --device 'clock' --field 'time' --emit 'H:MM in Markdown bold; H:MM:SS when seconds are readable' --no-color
**5:00**
